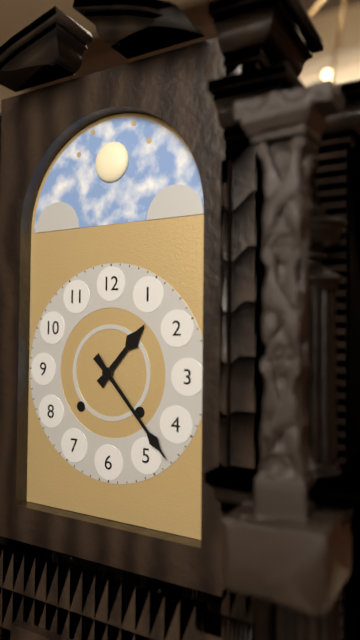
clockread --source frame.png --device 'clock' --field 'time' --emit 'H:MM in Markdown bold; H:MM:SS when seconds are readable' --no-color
**1:23**
